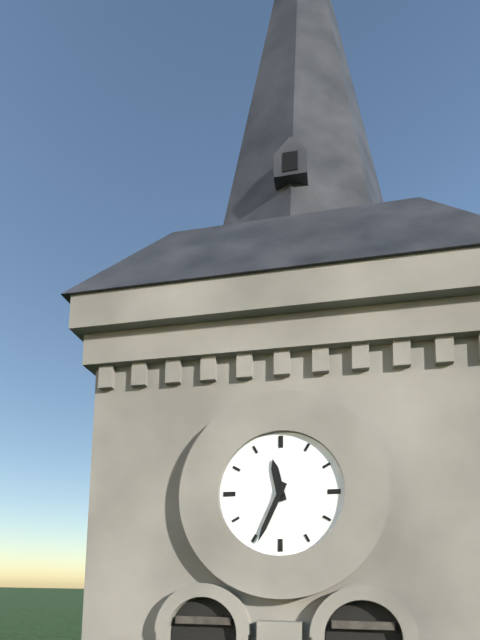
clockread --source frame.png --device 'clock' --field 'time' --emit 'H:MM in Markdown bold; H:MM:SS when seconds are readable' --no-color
**11:34**
